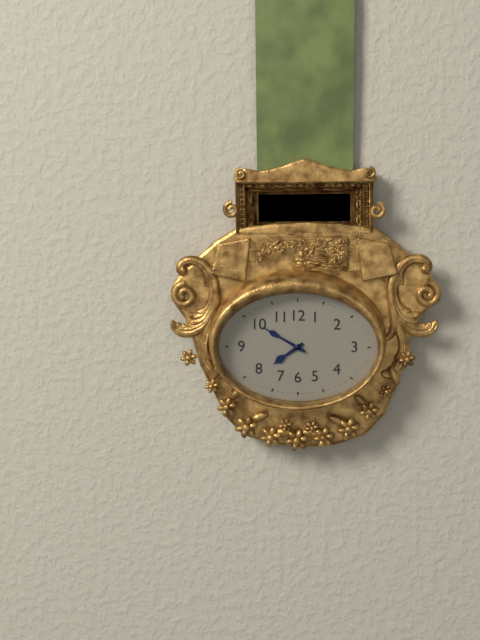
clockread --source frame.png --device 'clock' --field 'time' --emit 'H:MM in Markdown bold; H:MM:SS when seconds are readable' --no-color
**7:50**
